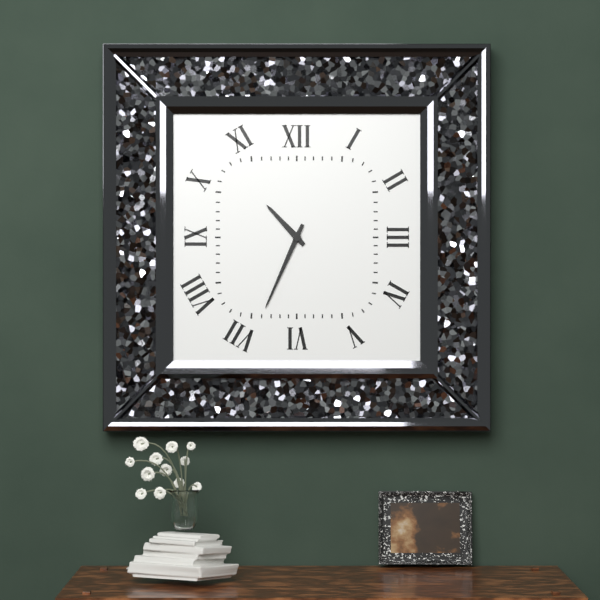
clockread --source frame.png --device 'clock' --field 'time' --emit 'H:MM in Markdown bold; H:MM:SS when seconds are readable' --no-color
**10:34**
